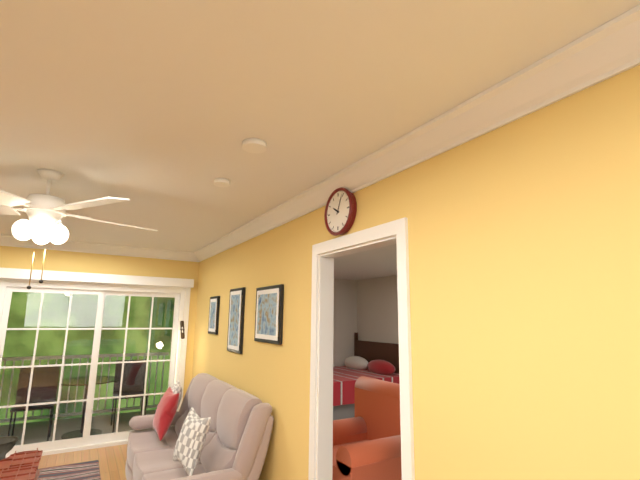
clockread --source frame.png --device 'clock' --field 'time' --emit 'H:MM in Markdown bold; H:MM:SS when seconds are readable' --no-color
**10:04**
